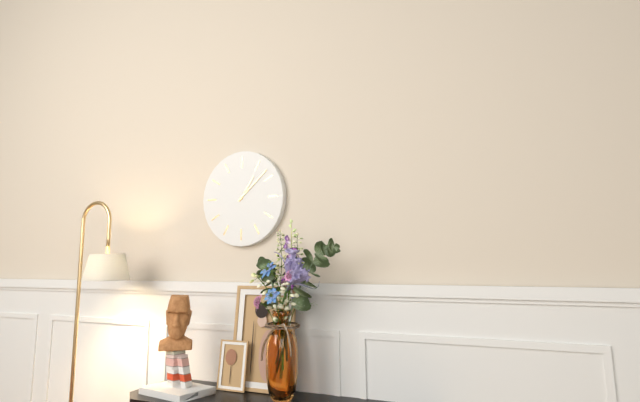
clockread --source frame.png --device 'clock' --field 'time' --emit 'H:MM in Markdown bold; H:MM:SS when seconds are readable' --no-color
**1:08**
